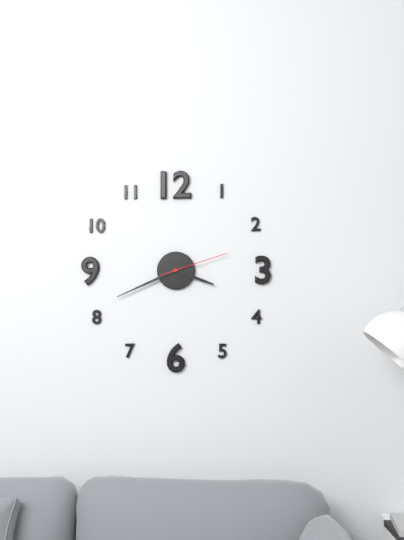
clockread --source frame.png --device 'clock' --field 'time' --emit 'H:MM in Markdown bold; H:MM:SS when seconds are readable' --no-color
**3:41:12**
